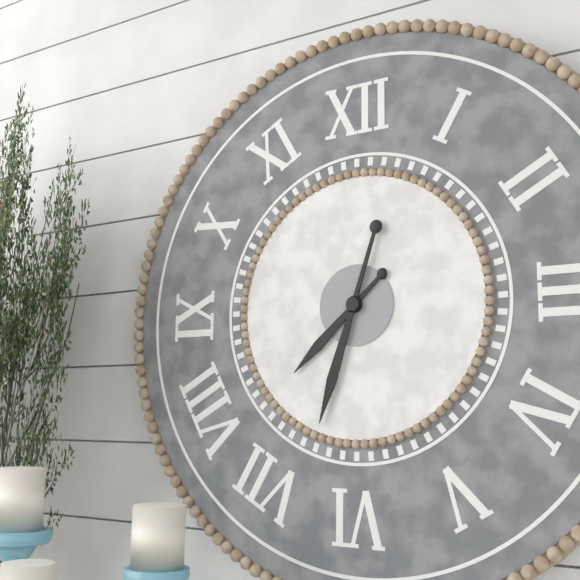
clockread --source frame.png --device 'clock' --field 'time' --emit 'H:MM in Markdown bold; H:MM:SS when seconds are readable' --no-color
**7:33**
